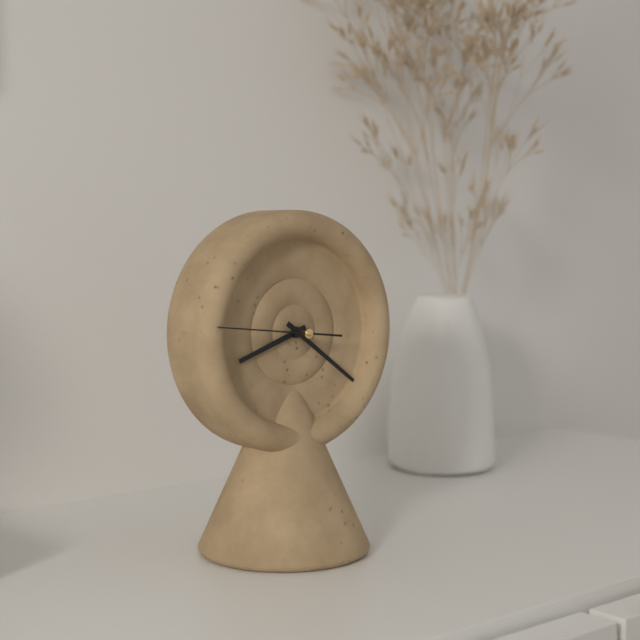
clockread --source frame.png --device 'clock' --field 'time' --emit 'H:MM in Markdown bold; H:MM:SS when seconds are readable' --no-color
**8:21:46**
